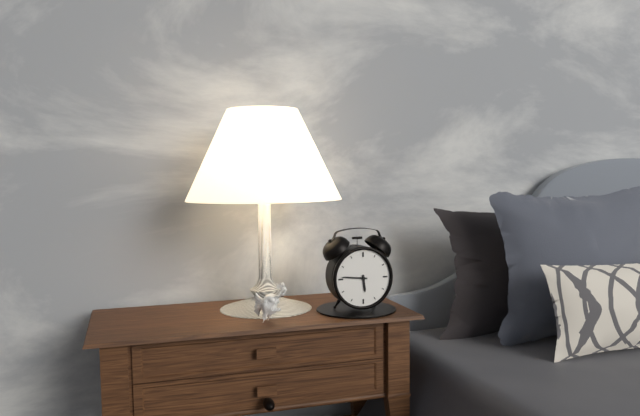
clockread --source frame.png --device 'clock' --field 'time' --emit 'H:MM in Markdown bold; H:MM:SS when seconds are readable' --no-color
**5:46**
